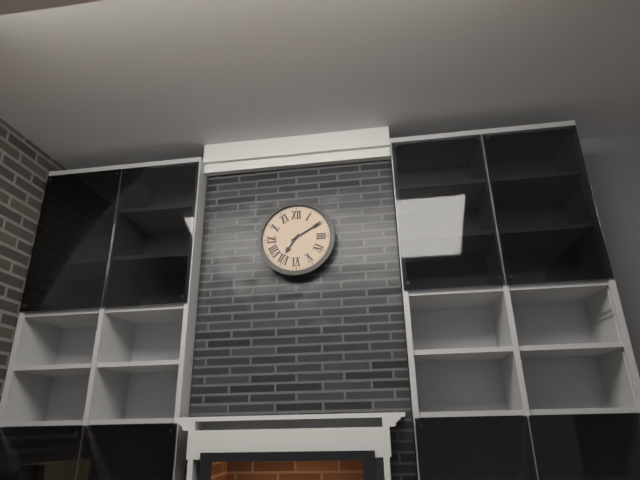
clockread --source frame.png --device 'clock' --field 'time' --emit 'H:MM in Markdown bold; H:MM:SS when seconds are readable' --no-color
**7:10**
